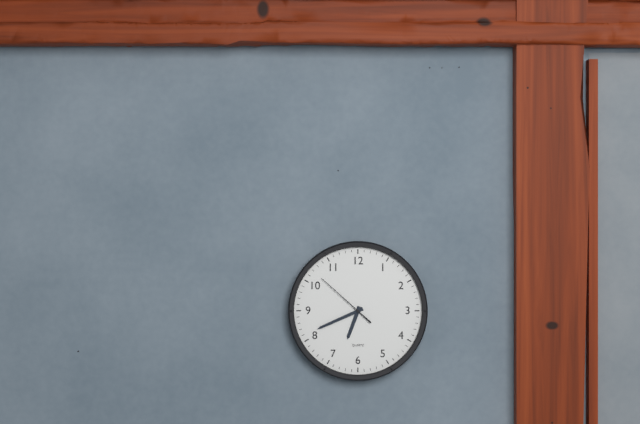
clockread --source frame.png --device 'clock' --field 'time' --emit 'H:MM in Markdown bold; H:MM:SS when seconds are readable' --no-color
**6:41:52**
